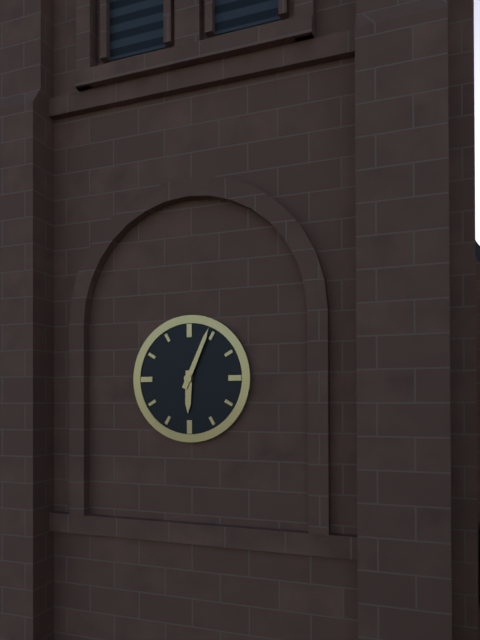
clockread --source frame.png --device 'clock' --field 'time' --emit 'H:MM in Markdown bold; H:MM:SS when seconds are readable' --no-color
**6:04**
